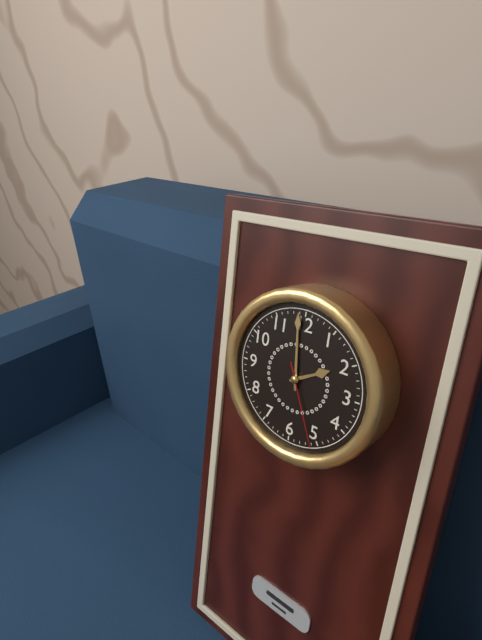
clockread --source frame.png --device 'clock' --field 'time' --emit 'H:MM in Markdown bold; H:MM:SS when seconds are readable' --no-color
**1:59:26**
